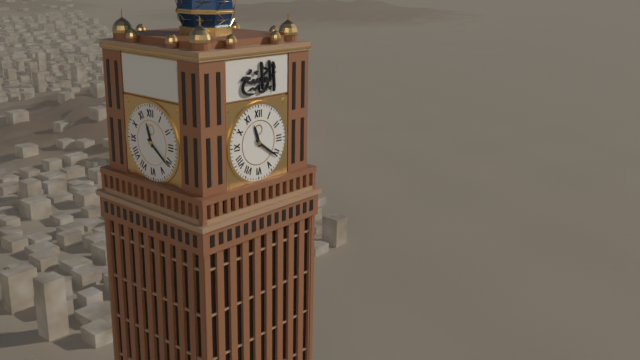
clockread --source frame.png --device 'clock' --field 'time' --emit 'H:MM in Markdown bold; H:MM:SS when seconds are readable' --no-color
**11:21**
